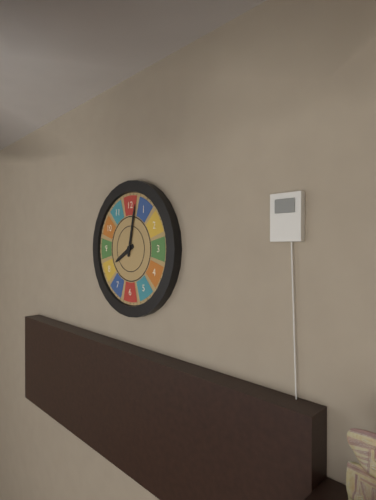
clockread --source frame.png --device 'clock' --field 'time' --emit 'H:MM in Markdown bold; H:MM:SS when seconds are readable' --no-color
**8:02**
